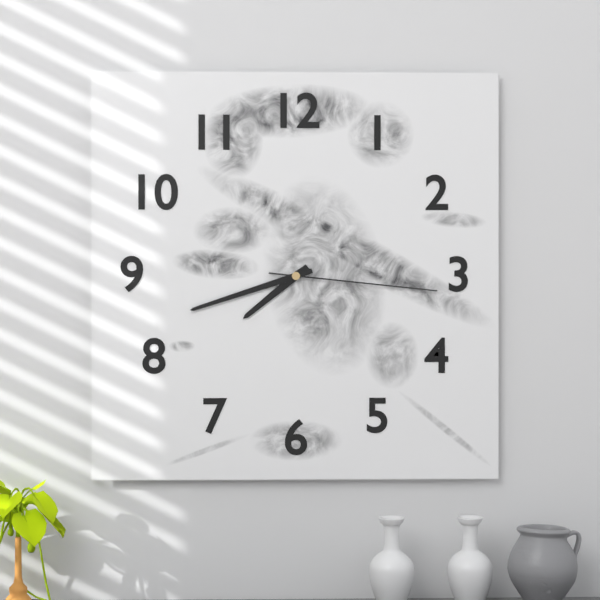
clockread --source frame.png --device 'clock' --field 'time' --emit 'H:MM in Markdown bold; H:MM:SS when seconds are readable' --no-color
**7:42:16**
